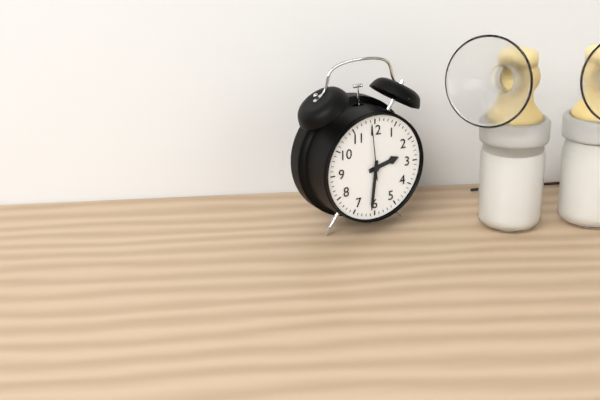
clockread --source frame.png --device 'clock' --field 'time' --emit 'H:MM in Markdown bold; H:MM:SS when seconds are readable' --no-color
**2:31:59**
